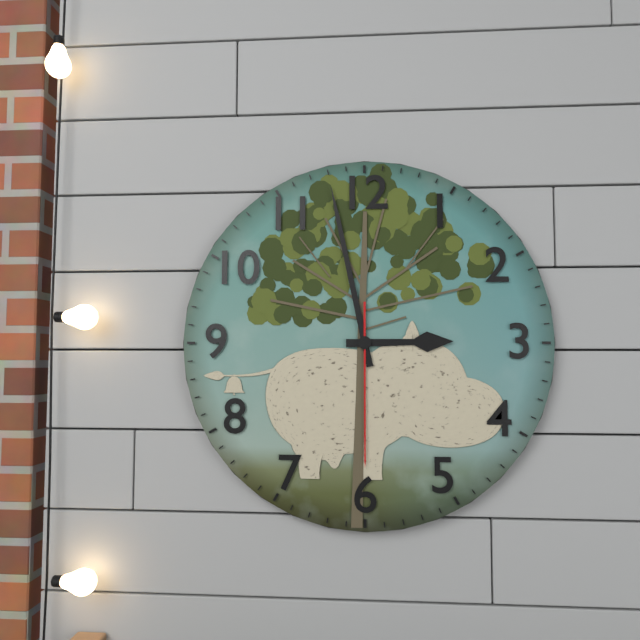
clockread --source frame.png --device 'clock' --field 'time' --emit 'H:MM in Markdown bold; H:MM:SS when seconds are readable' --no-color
**2:58:30**
